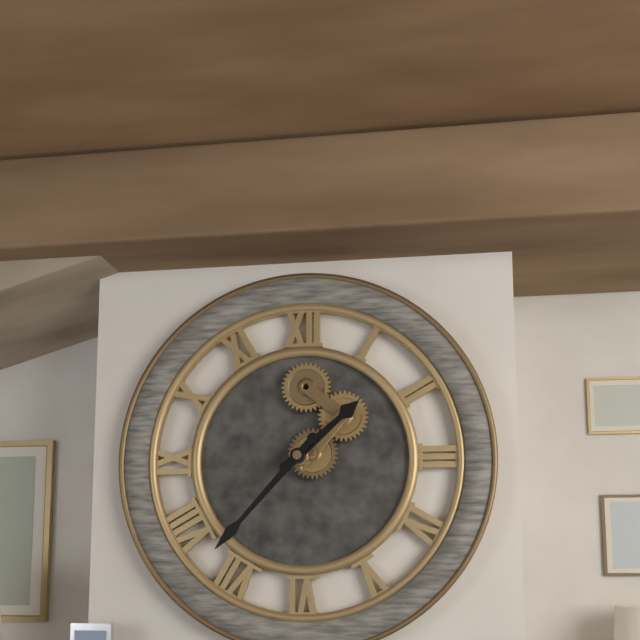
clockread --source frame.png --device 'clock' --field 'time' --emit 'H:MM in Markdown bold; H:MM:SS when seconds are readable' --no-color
**1:37**
